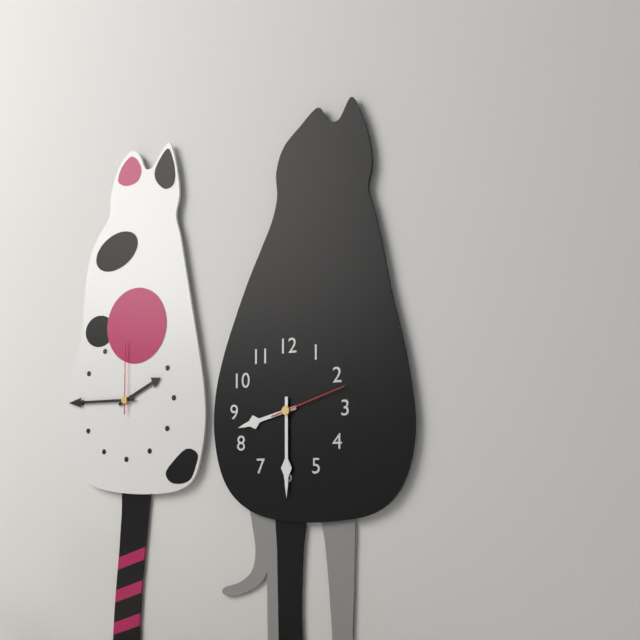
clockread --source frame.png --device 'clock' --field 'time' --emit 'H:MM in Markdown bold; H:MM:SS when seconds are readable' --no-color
**8:30:12**
